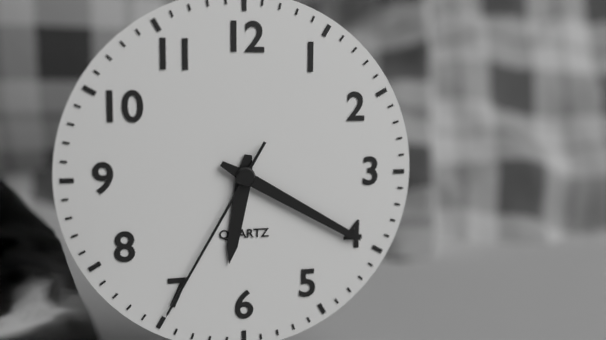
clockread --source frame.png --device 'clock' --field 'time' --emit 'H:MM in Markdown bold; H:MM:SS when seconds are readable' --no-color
**6:20:35**
